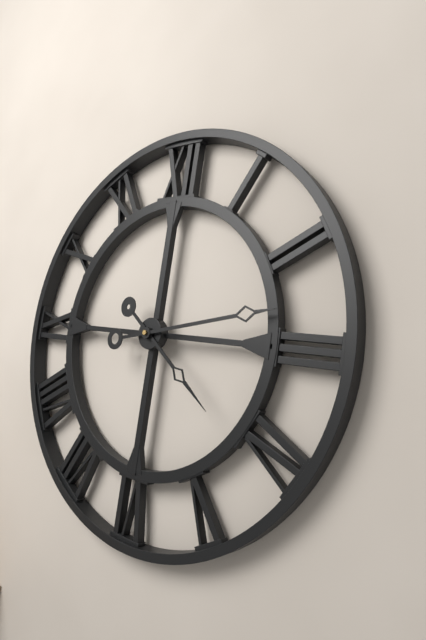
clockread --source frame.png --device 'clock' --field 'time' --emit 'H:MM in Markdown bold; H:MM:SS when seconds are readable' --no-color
**4:13**
